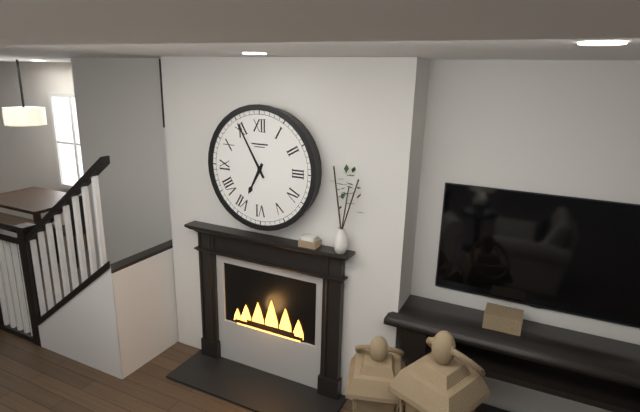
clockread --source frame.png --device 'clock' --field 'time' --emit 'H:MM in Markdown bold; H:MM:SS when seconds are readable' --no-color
**6:55**
